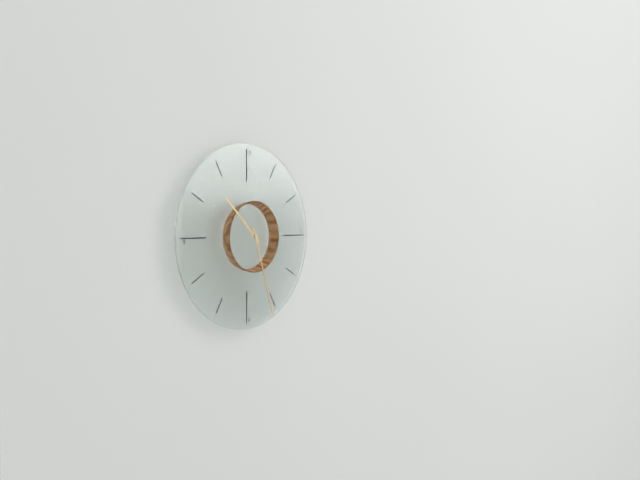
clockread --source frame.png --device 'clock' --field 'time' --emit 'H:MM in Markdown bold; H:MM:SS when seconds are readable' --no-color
**10:27**
